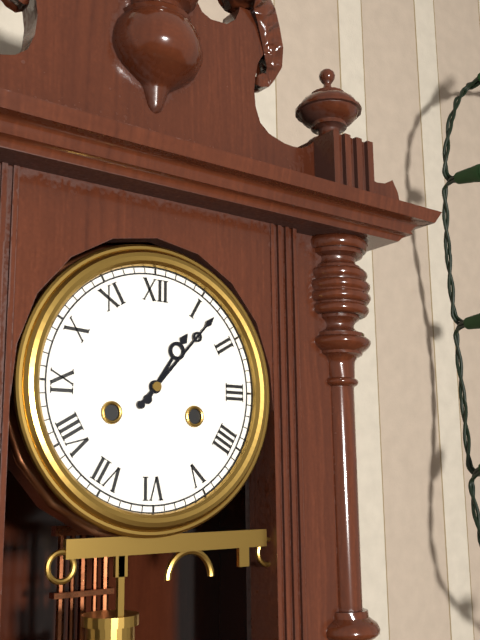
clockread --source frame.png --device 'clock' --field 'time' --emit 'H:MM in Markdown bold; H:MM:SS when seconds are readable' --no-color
**1:07**
